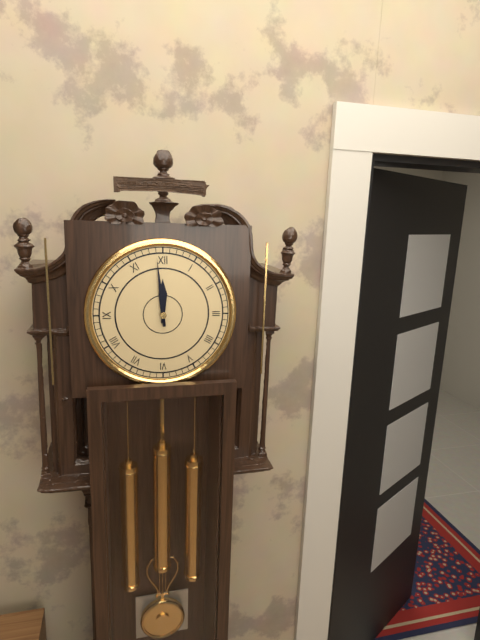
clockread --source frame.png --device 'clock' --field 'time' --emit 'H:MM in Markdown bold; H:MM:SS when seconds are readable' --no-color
**11:59**
